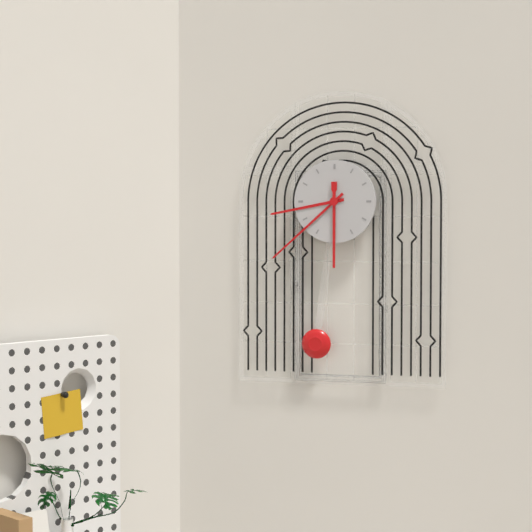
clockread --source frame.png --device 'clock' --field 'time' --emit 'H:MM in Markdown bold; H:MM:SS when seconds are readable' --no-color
**8:38:30**
